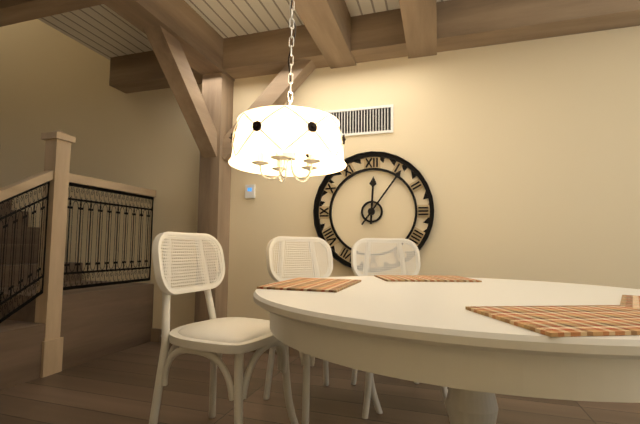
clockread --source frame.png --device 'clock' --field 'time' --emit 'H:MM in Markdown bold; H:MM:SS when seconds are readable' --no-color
**12:06**
